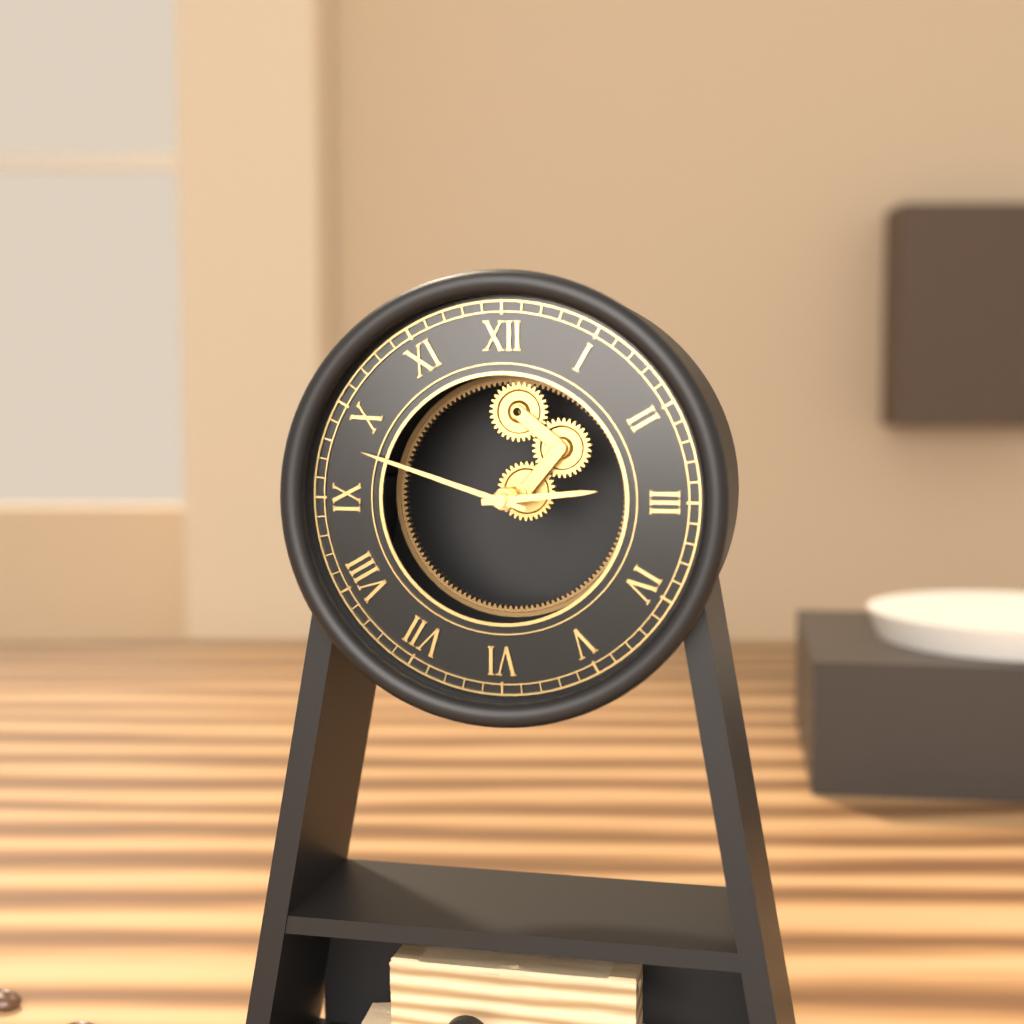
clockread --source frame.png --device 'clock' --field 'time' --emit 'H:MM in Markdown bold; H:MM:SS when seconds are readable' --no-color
**2:48**
